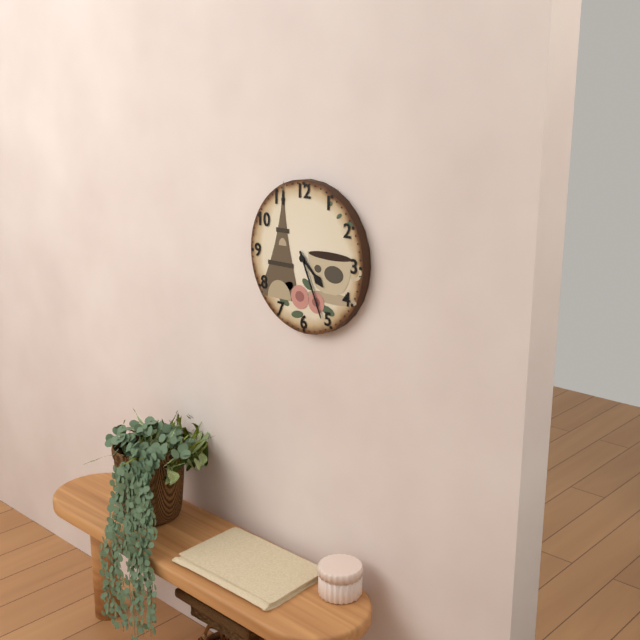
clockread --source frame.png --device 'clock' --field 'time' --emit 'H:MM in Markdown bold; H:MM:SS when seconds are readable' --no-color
**4:26**
